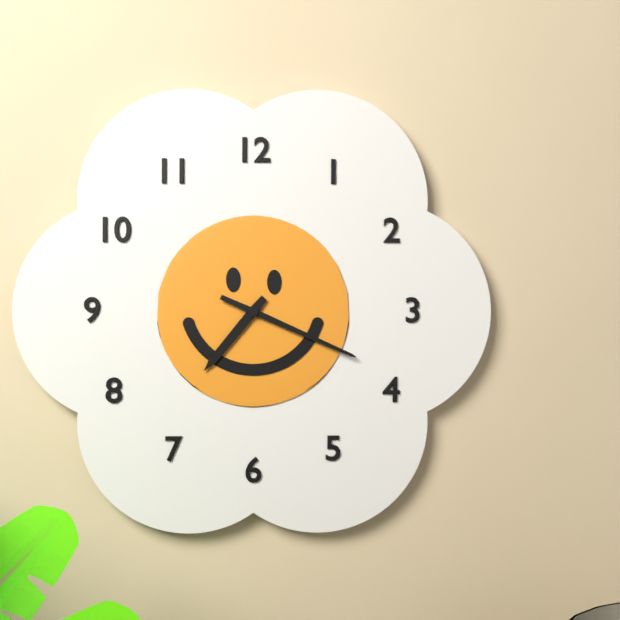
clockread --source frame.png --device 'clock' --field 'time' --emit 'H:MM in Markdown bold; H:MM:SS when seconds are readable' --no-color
**7:19**
